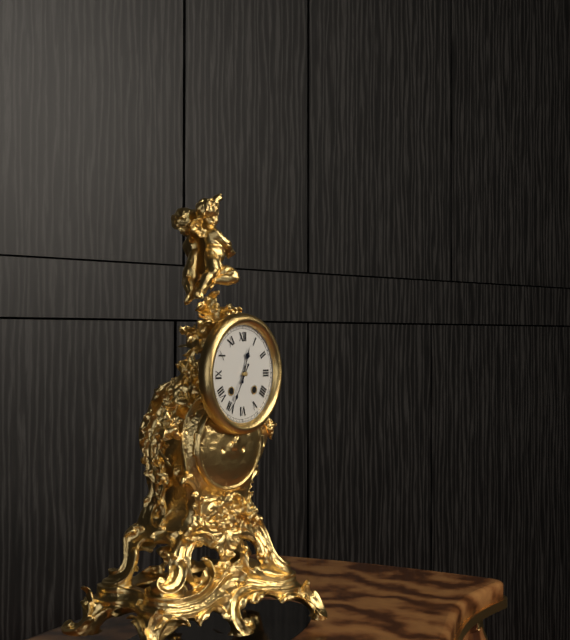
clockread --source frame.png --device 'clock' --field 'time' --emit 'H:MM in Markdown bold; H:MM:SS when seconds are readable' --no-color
**12:35**
